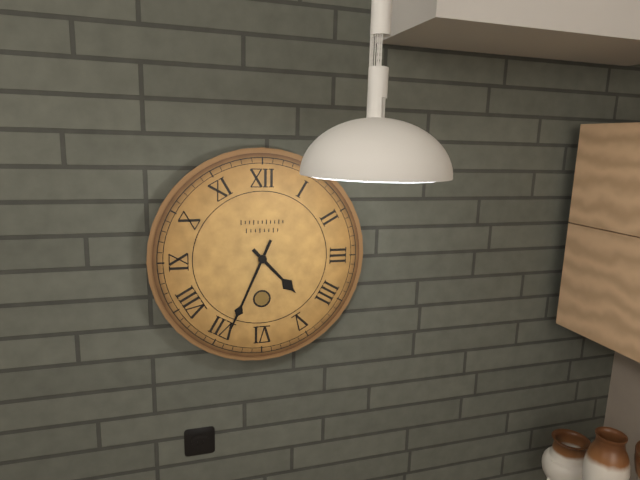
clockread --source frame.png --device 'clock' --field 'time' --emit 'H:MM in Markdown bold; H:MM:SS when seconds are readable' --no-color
**4:34**
